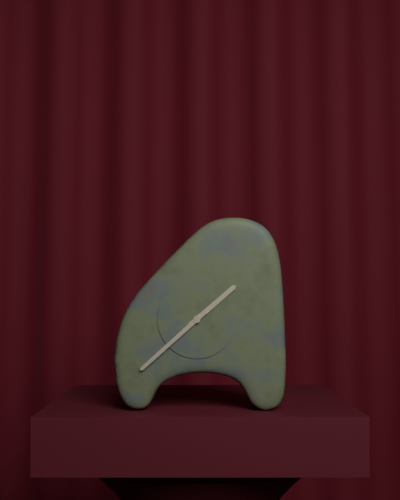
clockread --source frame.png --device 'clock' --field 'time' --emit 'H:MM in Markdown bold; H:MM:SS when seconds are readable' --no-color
**1:38**
